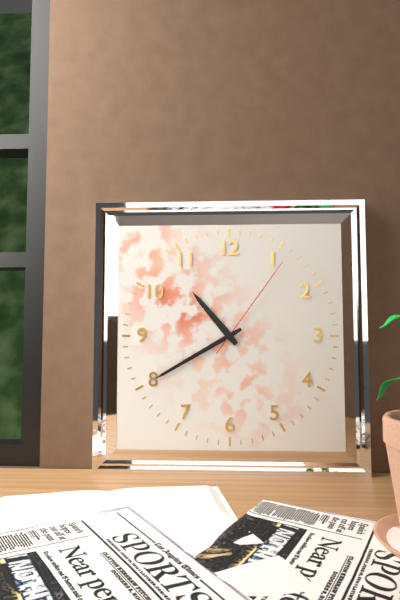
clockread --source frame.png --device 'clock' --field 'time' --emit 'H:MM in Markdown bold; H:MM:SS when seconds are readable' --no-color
**10:40:06**
